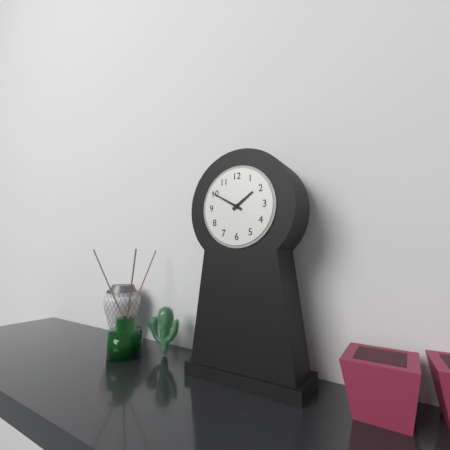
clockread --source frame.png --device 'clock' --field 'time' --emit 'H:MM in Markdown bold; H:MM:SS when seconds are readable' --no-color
**1:50**
